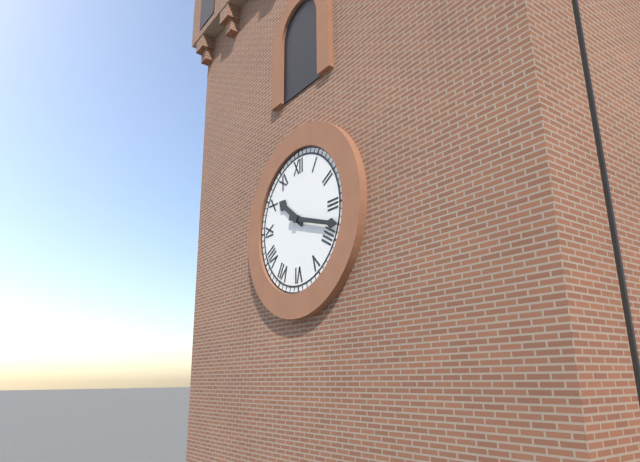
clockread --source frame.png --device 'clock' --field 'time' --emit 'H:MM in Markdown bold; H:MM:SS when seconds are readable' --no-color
**10:18**
